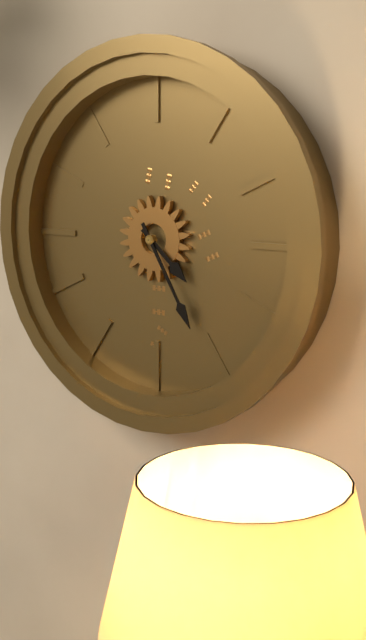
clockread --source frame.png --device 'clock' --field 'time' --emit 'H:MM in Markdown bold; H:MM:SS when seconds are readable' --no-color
**4:25**
